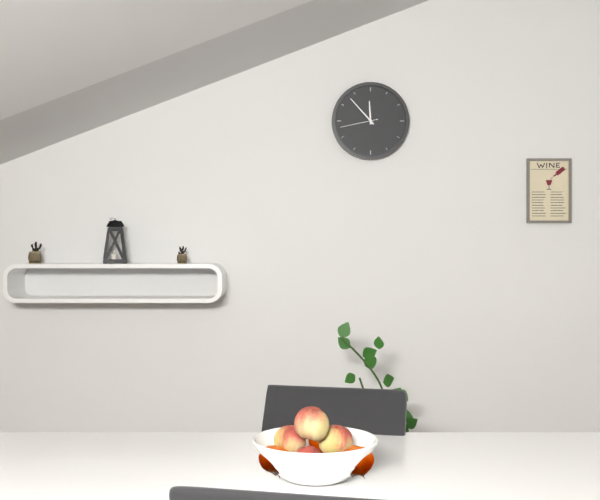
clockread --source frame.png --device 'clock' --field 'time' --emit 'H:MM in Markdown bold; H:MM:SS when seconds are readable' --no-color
**11:53**
